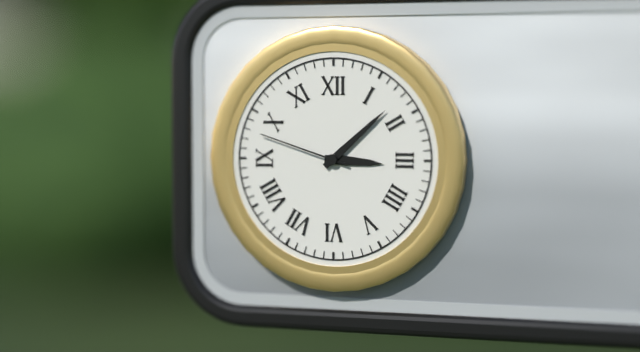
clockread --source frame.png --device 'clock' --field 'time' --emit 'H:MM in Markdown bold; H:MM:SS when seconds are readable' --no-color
**3:08:48**
